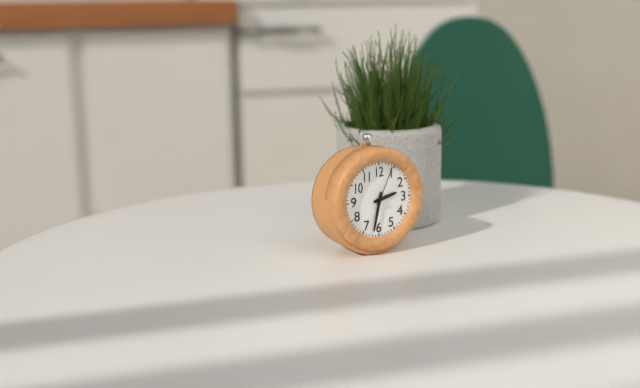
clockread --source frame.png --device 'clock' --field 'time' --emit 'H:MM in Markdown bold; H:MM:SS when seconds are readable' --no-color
**2:32**
